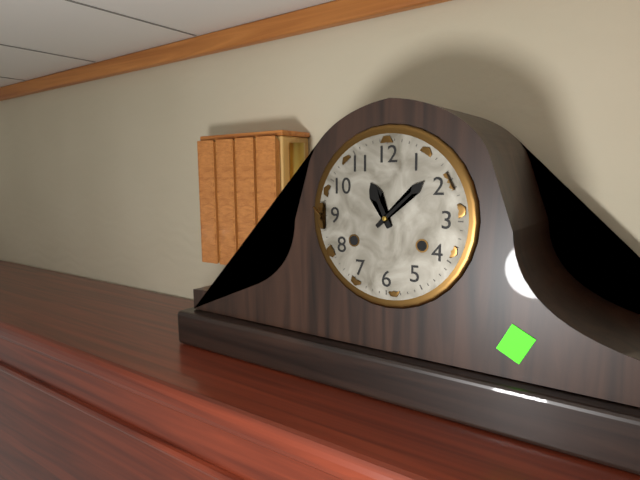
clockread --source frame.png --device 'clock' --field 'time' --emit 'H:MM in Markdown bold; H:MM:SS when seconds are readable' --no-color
**11:08**
